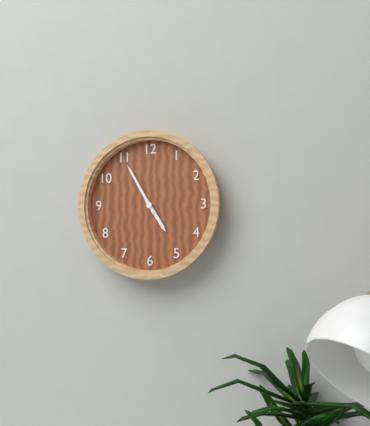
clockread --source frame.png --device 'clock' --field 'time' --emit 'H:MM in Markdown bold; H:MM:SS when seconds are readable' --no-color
**4:55**
